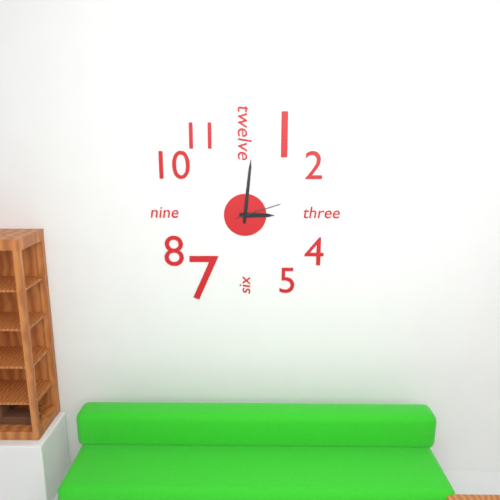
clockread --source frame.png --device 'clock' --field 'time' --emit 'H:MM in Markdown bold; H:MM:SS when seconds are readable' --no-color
**3:01**
